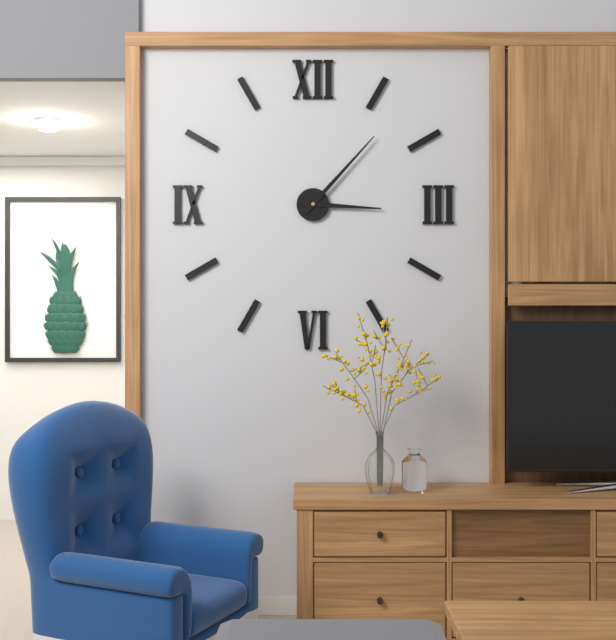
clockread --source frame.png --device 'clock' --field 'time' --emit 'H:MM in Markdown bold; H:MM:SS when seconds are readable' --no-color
**3:07**
